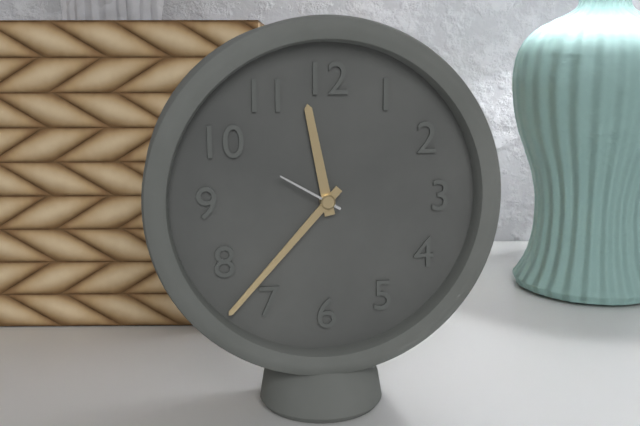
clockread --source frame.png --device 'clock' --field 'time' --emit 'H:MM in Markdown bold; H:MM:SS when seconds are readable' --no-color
**11:37:50**
